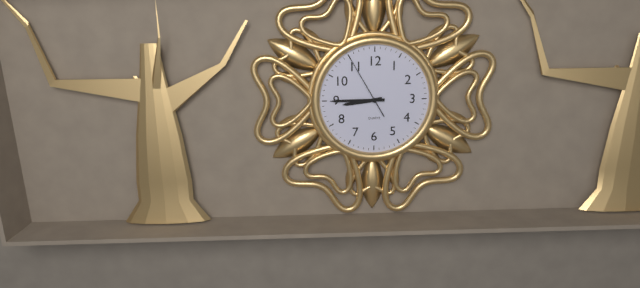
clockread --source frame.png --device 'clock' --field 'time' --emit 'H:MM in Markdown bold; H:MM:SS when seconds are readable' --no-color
**8:45:55**
